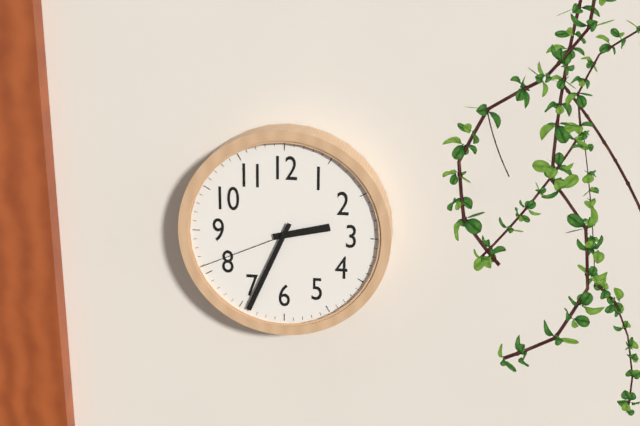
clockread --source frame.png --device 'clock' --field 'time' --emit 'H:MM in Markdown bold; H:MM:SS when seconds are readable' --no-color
**2:34:41**
